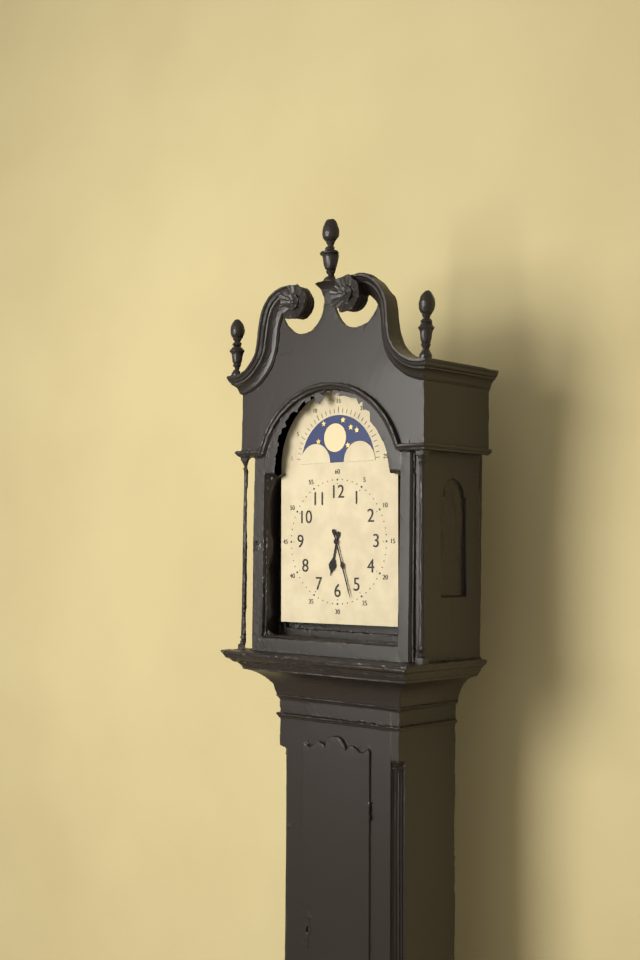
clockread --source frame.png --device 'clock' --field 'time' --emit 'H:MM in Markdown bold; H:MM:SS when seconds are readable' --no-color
**6:27**
